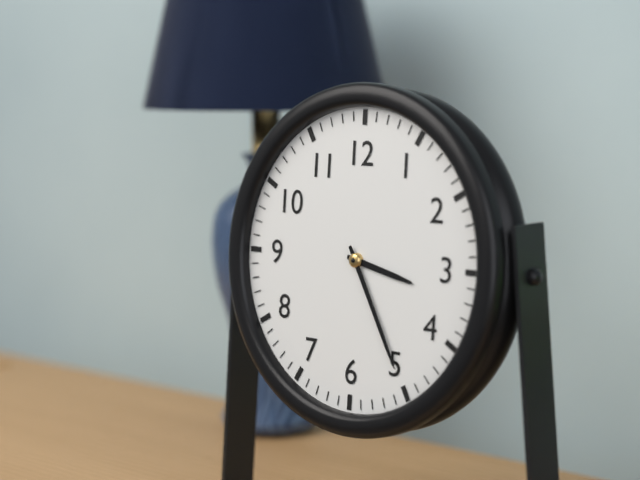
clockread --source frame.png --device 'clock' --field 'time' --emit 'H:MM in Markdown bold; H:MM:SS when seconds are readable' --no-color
**3:25**
